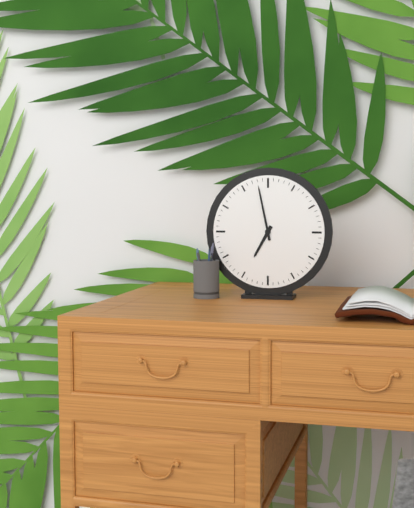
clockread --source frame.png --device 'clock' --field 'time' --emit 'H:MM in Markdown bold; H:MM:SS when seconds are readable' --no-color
**6:58**
